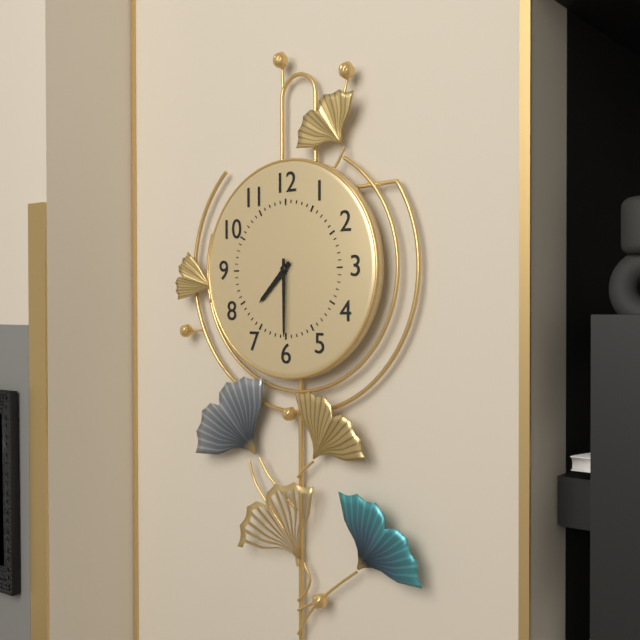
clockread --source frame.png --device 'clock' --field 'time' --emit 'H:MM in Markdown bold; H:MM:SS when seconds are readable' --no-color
**7:30**
